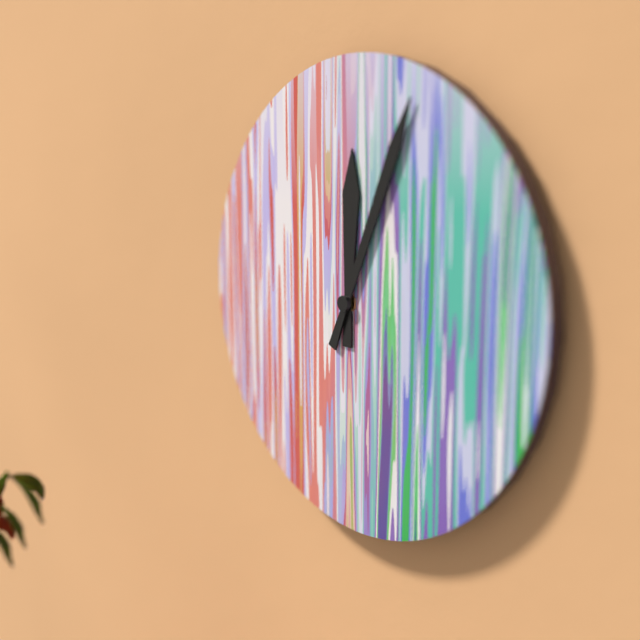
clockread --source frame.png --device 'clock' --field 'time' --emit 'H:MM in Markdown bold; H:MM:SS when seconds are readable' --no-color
**12:04**
